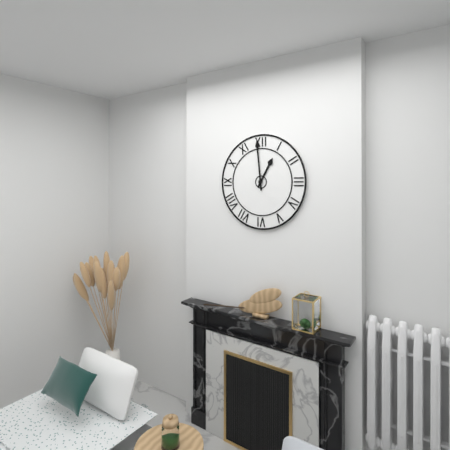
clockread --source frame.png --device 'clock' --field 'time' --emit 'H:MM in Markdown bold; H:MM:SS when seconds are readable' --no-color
**12:59**
